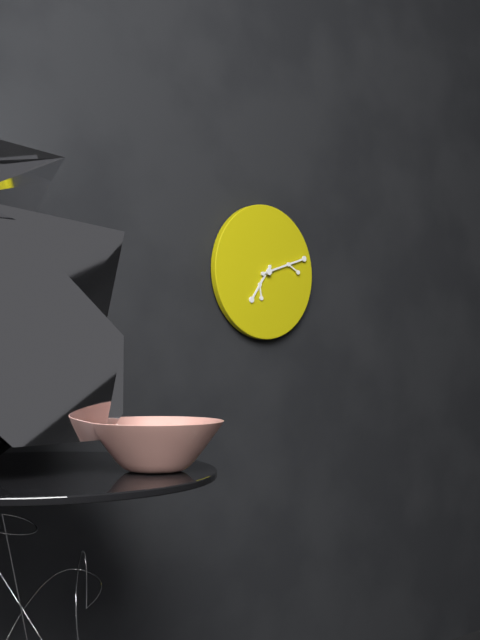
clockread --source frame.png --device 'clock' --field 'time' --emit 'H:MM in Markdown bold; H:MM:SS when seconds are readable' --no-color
**7:12**
